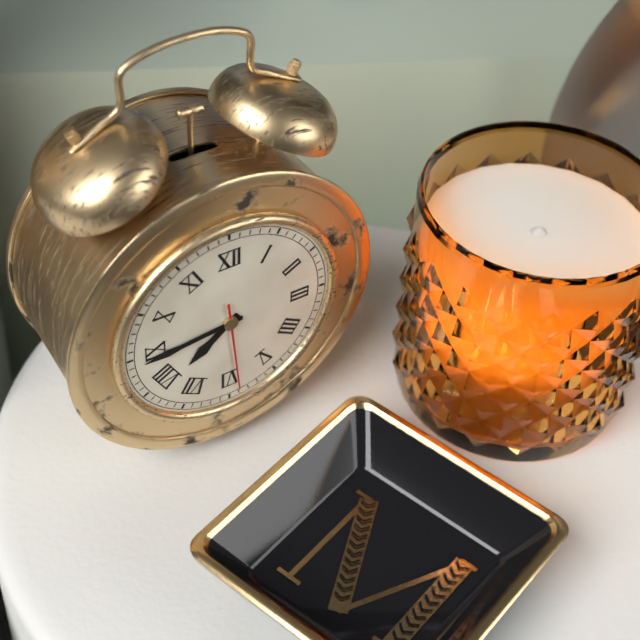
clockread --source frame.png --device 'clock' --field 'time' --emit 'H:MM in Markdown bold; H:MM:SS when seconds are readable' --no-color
**7:44:29**
